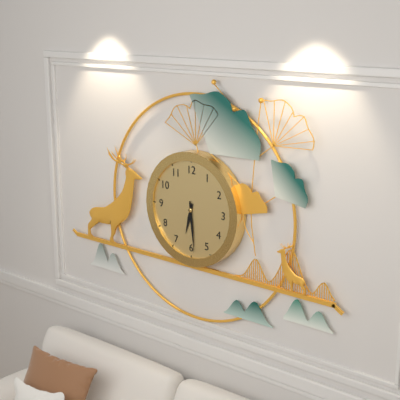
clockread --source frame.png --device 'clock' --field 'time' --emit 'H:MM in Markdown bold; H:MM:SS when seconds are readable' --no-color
**6:29**
